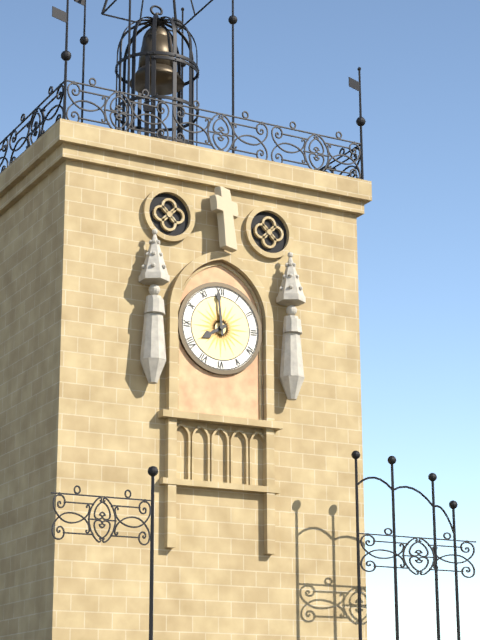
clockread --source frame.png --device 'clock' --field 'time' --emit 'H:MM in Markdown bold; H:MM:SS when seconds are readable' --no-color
**7:59**
